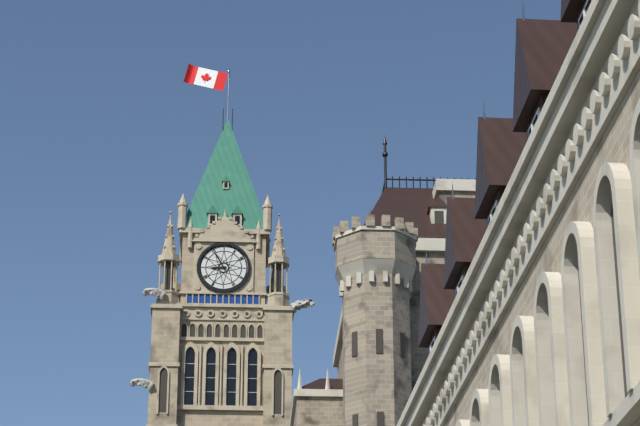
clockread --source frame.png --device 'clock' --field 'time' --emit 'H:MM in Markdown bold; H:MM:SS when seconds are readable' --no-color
**8:55**
